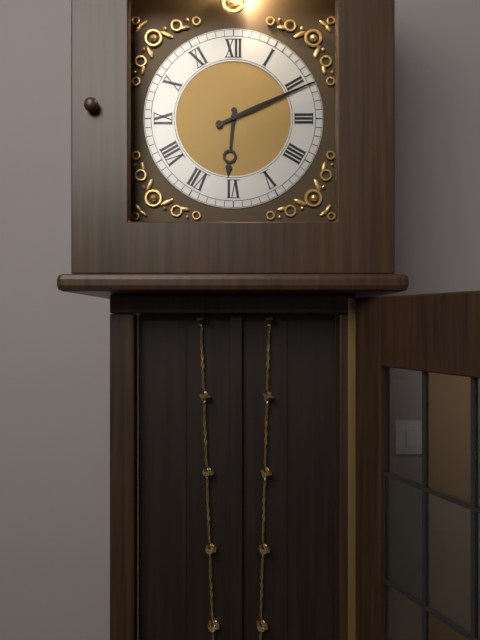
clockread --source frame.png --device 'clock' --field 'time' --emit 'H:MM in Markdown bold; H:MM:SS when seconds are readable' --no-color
**6:11**
